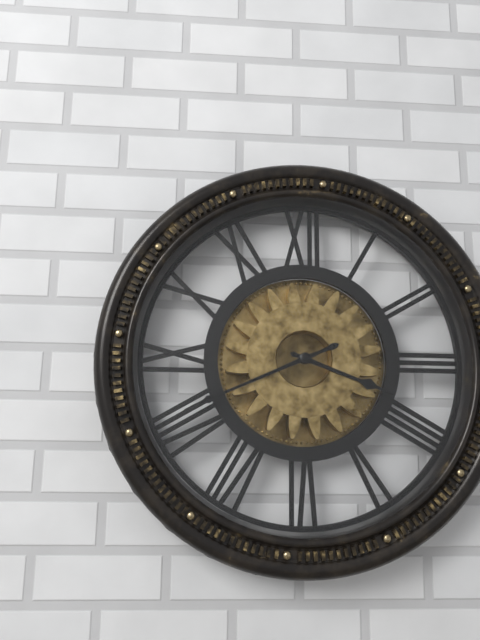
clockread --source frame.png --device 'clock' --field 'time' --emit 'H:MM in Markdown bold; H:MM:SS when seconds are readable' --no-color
**3:41**
